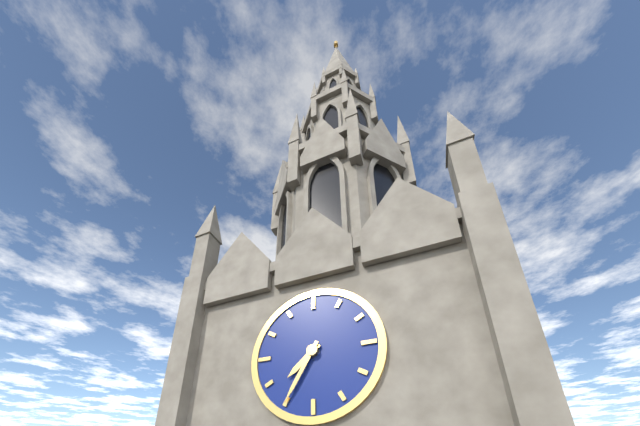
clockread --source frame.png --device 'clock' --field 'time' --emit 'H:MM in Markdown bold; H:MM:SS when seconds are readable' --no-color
**7:35**
